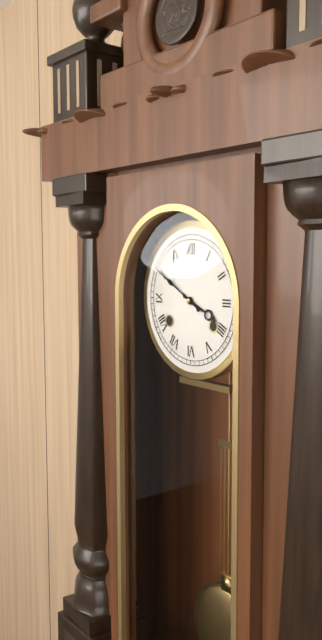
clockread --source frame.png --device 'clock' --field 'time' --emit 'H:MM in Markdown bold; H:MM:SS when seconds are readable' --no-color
**3:50**
